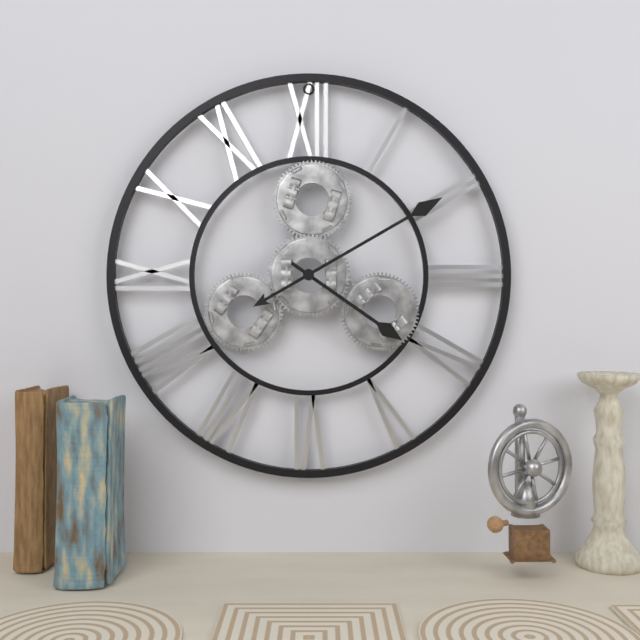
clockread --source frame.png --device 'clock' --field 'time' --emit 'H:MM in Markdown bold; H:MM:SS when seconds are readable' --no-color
**4:10**
